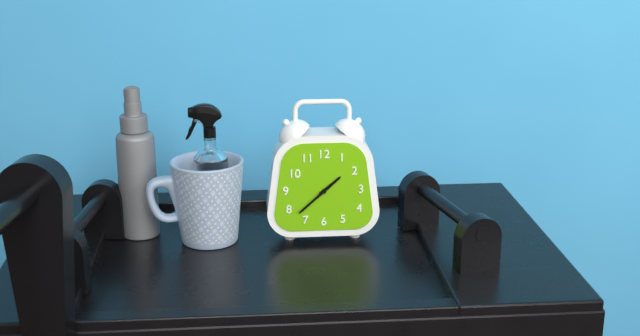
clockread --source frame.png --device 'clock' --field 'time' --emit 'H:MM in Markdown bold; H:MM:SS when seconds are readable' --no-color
**1:38**
